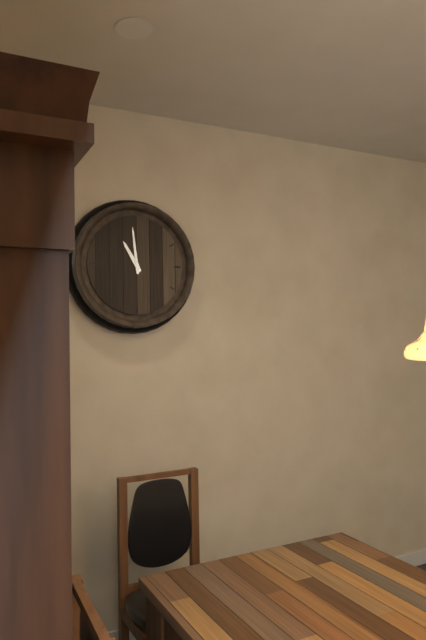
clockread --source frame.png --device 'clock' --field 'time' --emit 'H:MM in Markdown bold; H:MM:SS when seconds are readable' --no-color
**10:59**
